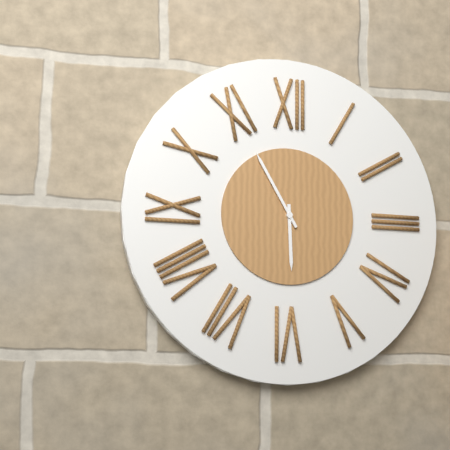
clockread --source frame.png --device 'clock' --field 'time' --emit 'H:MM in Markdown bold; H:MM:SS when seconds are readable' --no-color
**5:55**
